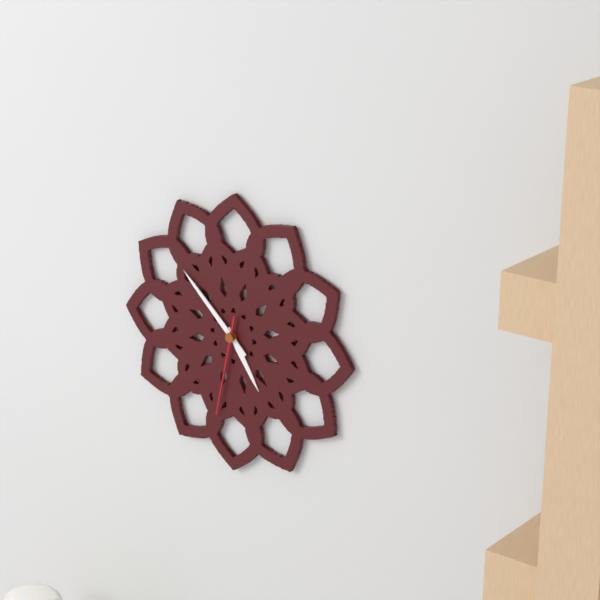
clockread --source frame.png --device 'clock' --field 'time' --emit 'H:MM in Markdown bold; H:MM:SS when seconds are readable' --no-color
**4:52:32**
